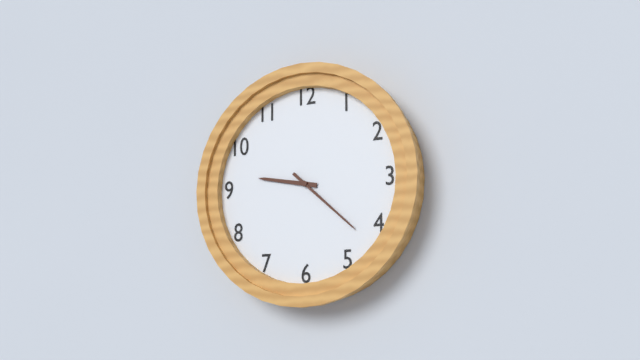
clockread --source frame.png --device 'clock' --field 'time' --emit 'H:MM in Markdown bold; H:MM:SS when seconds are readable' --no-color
**9:22**
